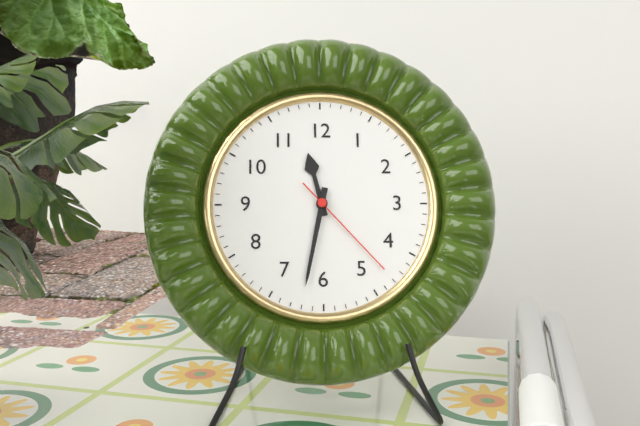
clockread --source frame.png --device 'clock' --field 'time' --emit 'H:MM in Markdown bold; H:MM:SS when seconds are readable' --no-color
**11:32:23**
